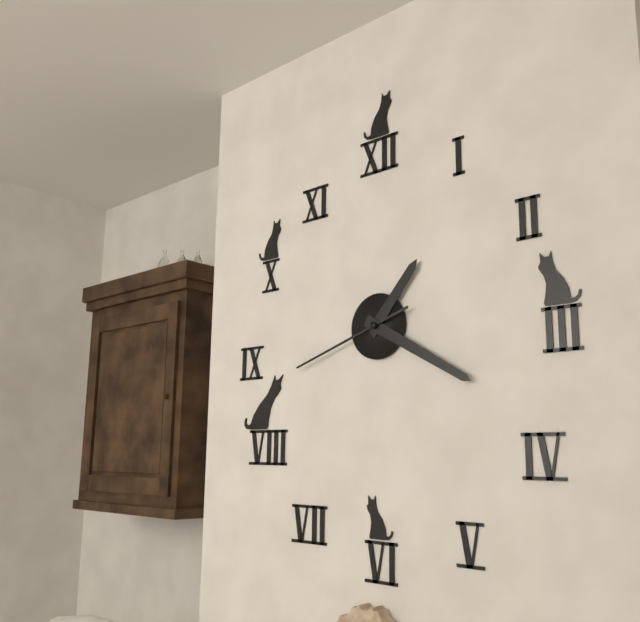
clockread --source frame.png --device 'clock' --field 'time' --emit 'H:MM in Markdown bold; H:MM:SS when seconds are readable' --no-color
**1:20:42**
